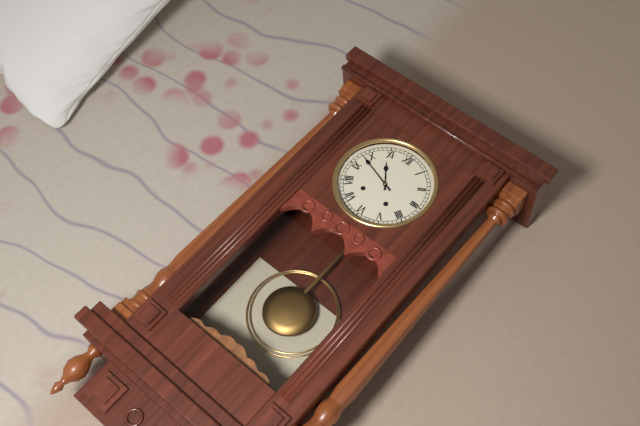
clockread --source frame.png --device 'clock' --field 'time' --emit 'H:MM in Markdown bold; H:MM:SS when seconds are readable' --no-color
**10:48**
